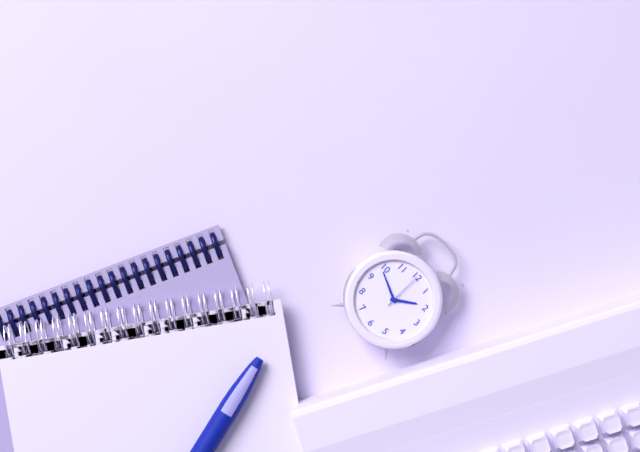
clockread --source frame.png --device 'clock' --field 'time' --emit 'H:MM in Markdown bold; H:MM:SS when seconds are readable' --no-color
**1:49**
